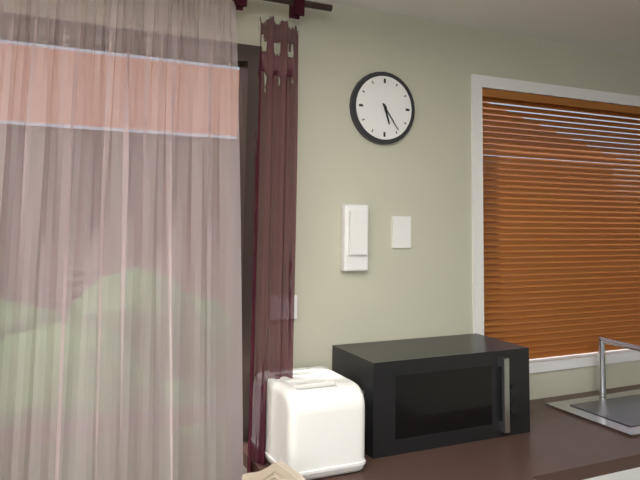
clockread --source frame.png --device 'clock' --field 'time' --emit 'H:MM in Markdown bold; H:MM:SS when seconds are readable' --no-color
**5:24**
